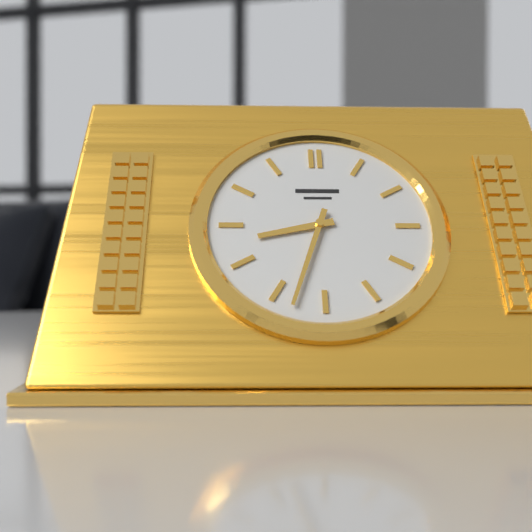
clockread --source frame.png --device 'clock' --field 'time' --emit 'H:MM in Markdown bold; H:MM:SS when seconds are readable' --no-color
**8:33**
